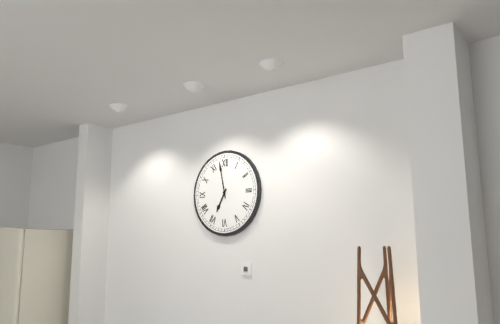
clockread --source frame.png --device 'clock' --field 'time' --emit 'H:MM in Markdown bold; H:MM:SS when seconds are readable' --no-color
**6:58**
